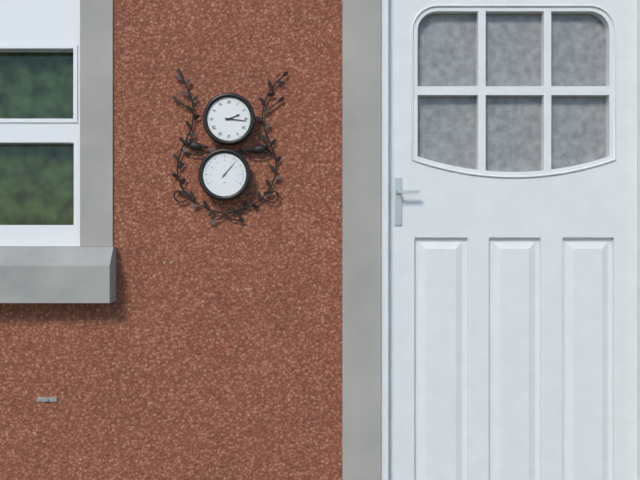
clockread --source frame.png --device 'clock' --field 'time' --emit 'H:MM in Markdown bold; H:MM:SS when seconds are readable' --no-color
**2:16**
